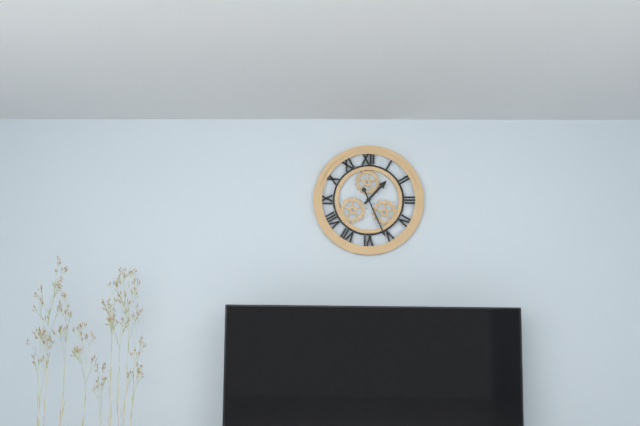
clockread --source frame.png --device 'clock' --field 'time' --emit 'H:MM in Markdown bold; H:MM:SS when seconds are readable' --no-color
**1:26**
